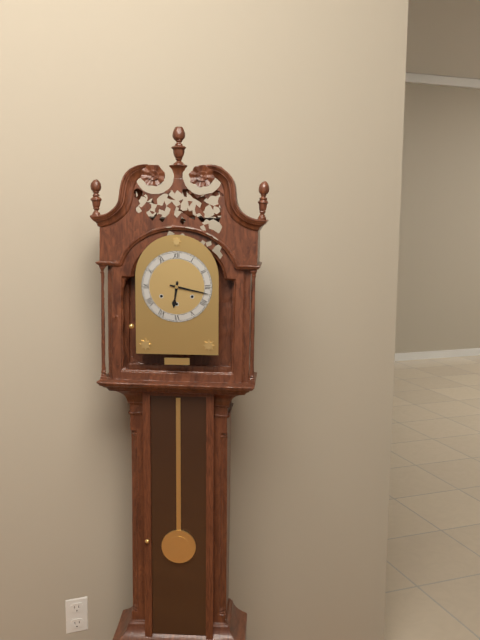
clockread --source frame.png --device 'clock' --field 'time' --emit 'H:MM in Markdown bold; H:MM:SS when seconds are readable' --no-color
**6:17**
